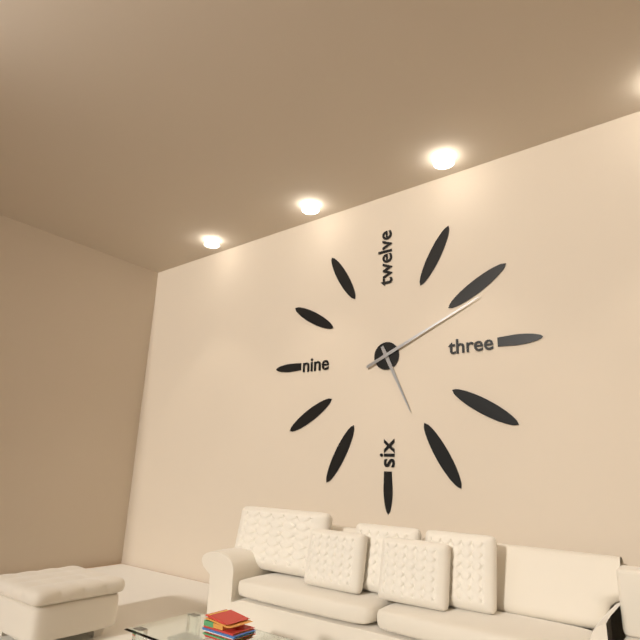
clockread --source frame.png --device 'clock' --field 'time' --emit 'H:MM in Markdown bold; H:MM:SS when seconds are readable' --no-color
**5:11**
